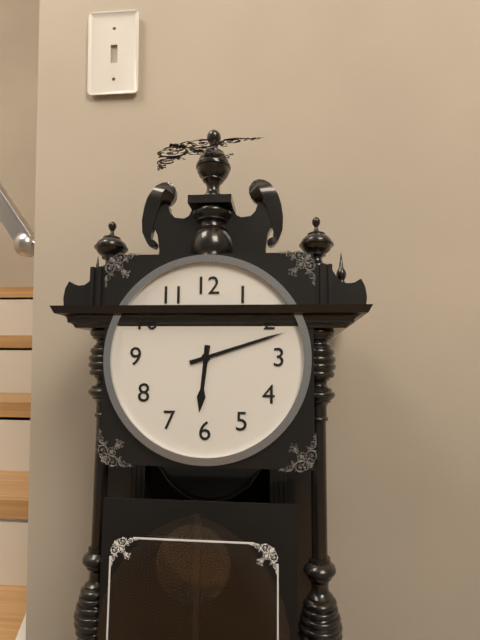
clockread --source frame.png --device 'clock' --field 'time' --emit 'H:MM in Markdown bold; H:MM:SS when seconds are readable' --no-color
**6:12**
